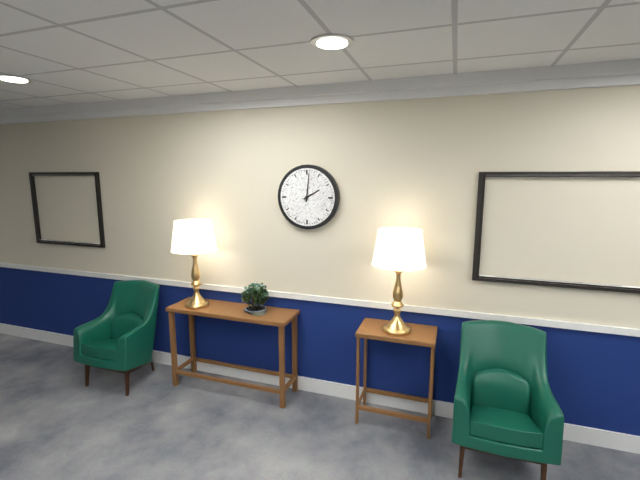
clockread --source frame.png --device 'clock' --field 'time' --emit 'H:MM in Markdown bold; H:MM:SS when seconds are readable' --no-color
**2:01**
